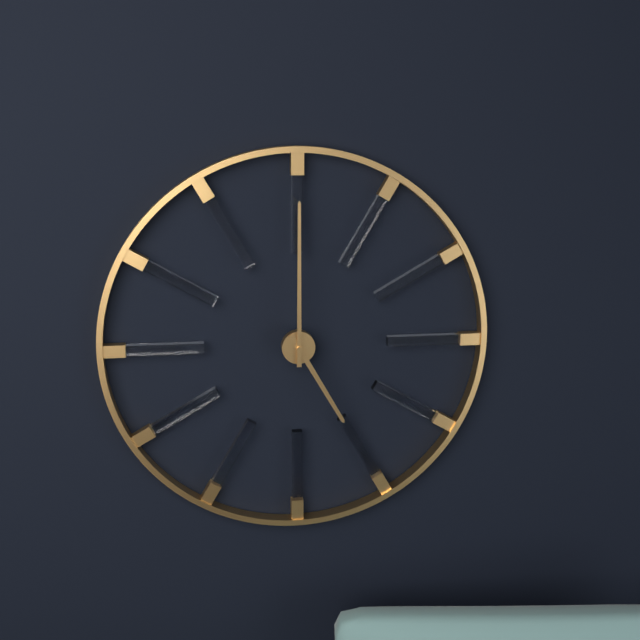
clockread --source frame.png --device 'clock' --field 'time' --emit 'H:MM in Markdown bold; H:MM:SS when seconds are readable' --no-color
**5:00**
